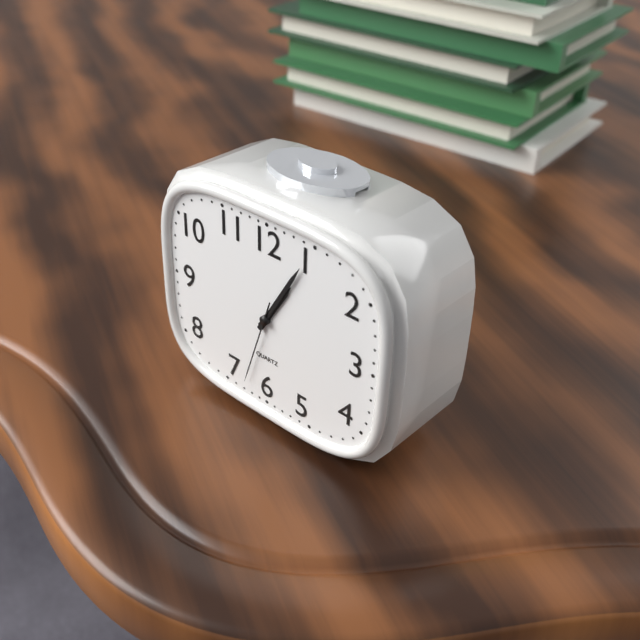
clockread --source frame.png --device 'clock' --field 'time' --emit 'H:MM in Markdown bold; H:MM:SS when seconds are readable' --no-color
**1:05:33**
